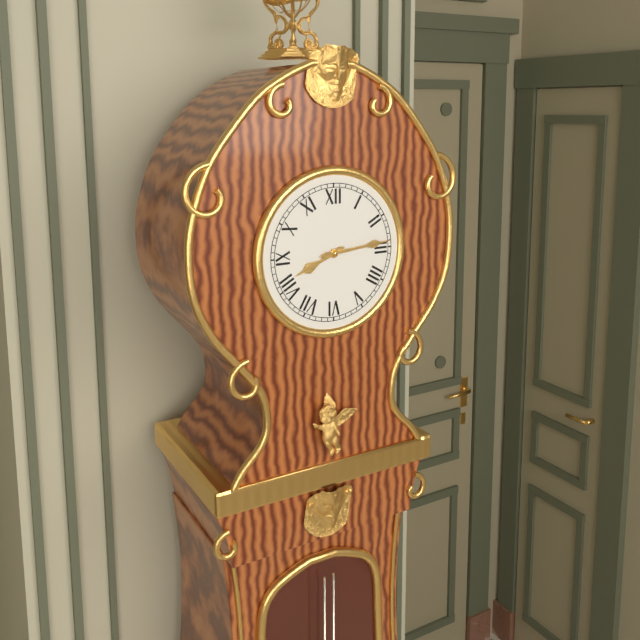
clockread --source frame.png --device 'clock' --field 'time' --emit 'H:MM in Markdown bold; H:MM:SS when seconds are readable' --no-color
**8:14**
